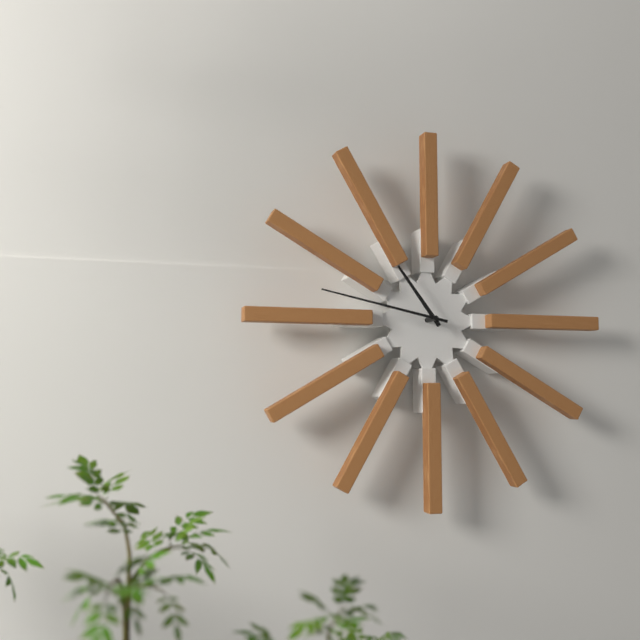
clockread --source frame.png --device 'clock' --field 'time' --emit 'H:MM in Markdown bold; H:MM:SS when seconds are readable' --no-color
**10:47**
